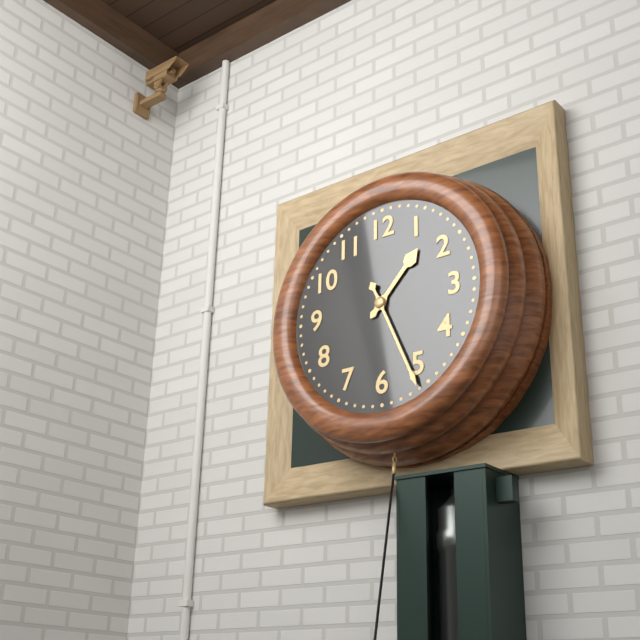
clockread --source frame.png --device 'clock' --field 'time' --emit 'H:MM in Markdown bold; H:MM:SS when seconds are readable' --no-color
**1:26**
